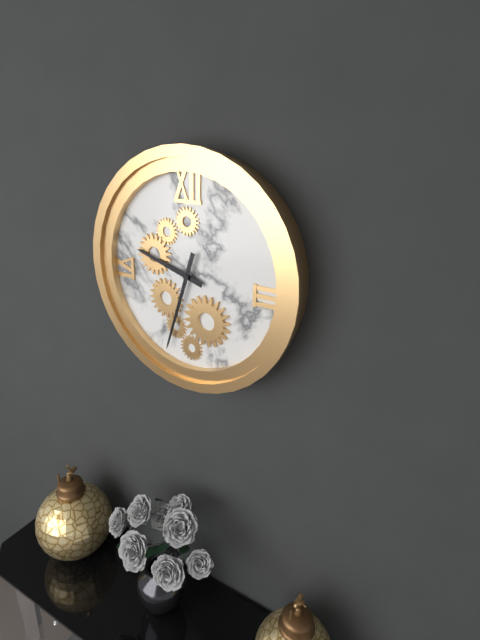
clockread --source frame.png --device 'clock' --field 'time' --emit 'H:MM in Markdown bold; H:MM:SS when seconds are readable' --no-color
**9:33**
